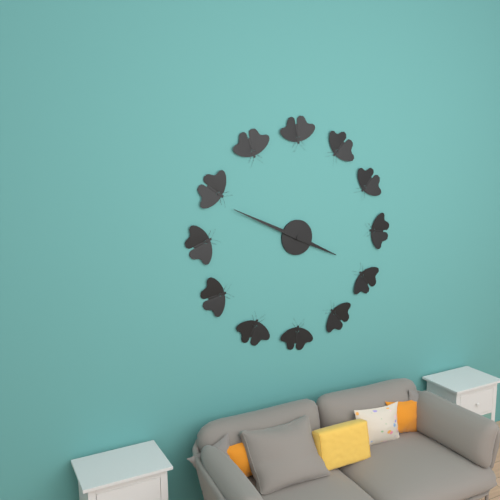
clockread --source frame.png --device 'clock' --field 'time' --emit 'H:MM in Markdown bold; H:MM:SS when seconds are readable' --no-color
**3:49**
